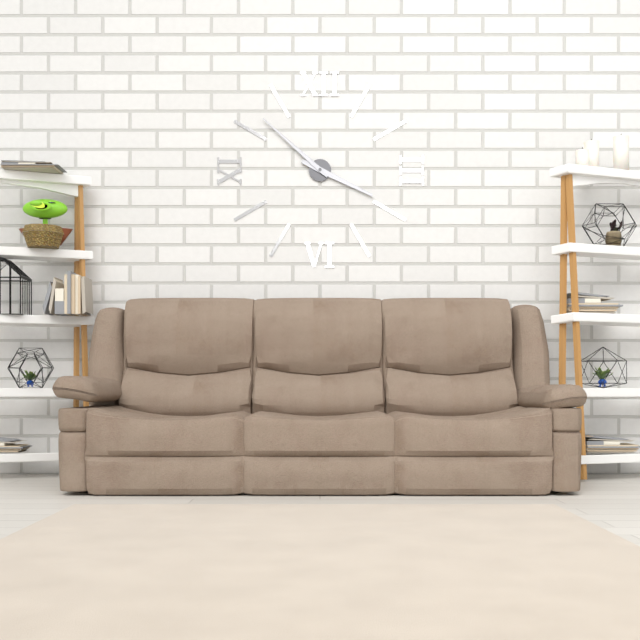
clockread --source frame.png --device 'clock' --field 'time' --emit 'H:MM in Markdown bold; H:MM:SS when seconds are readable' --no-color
**3:52**
